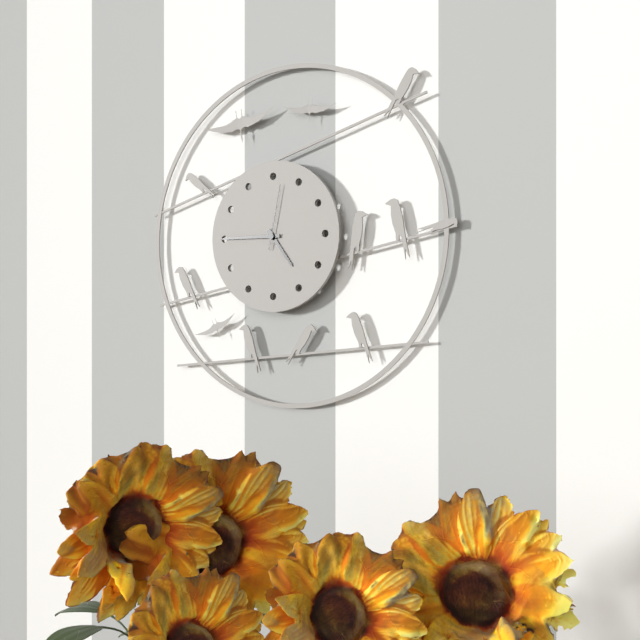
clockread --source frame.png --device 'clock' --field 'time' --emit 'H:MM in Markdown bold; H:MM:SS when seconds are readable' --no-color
**4:45:02**
